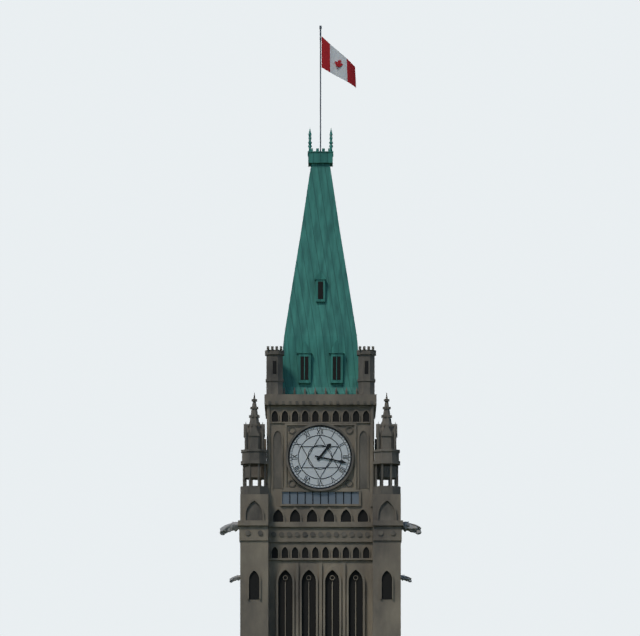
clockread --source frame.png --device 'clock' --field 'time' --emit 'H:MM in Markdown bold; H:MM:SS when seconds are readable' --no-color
**1:17**
